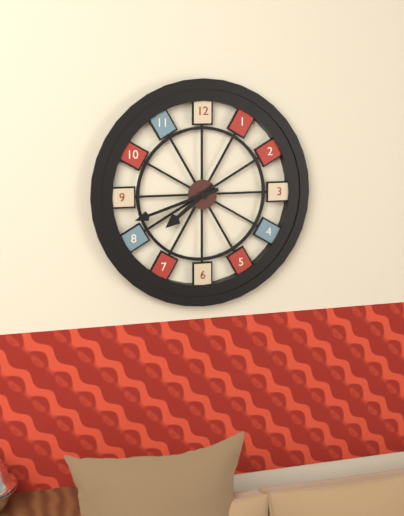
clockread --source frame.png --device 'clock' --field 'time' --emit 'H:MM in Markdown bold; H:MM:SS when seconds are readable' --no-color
**7:42**
